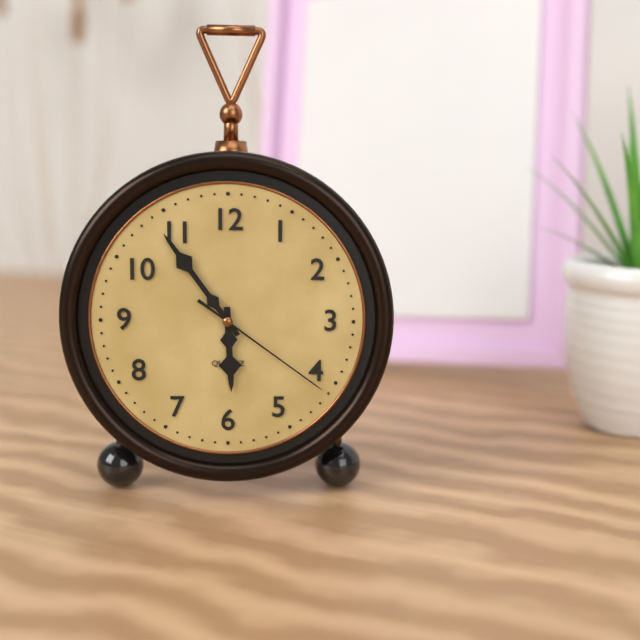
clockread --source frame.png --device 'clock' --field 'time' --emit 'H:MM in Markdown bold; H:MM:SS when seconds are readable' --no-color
**5:54:21**
